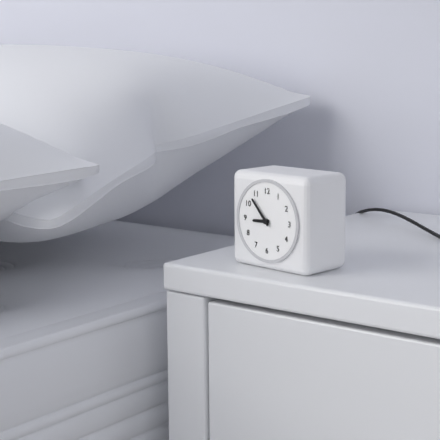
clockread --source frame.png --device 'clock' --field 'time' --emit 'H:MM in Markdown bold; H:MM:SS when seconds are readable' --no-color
**8:53**
